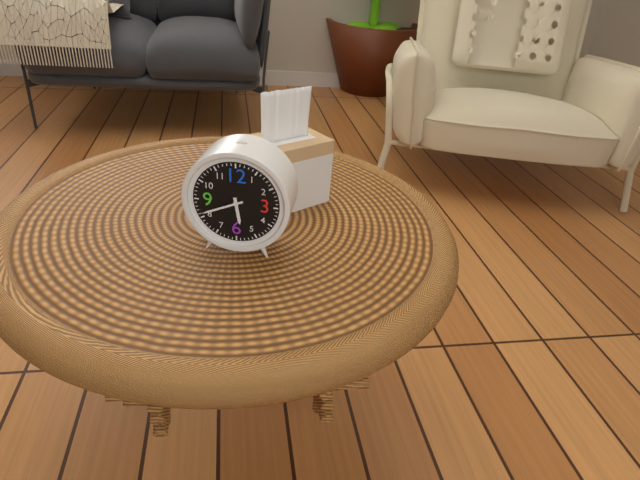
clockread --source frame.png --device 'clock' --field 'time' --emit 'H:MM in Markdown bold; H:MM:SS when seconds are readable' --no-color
**5:41**
